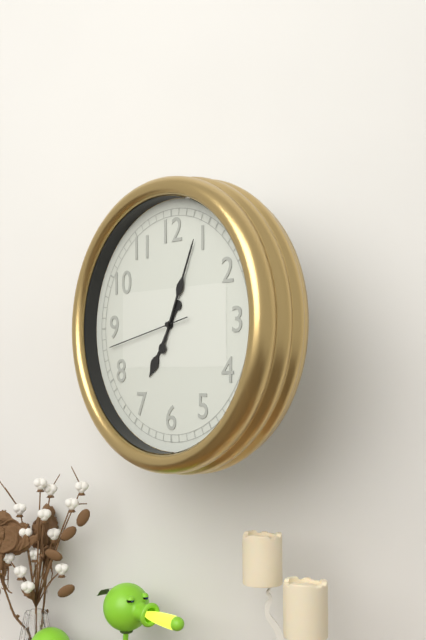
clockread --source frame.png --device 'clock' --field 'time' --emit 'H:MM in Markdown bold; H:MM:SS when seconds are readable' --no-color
**7:04:43**
